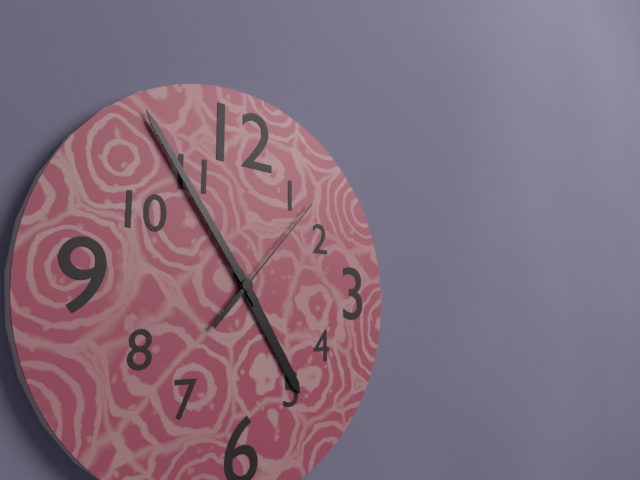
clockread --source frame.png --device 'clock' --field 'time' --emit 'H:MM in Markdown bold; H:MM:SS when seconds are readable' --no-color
**4:54:07**
